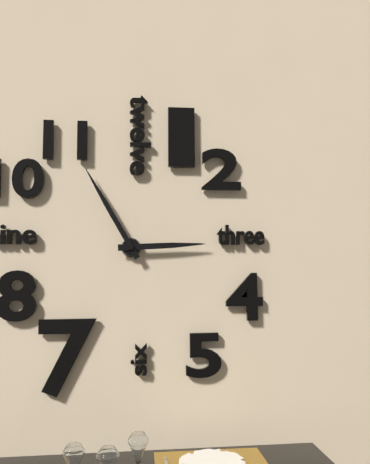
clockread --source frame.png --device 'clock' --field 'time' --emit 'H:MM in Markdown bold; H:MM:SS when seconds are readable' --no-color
**2:55**
